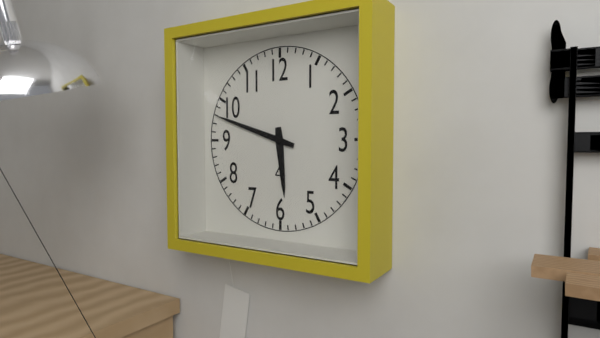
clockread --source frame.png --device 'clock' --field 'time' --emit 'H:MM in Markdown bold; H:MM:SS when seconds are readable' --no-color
**5:48**
